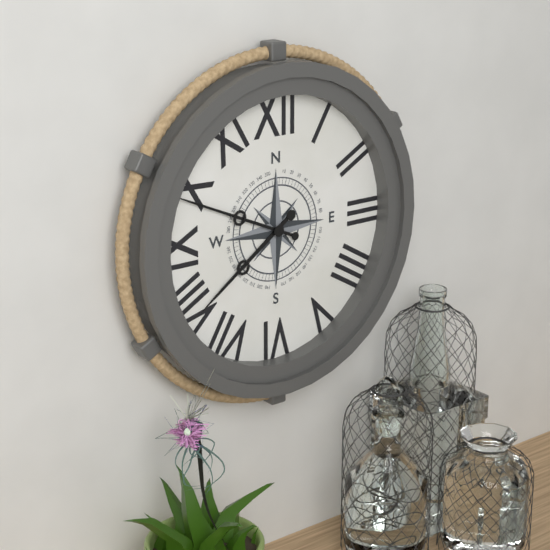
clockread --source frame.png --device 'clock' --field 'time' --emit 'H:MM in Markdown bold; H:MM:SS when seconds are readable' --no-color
**7:49**
